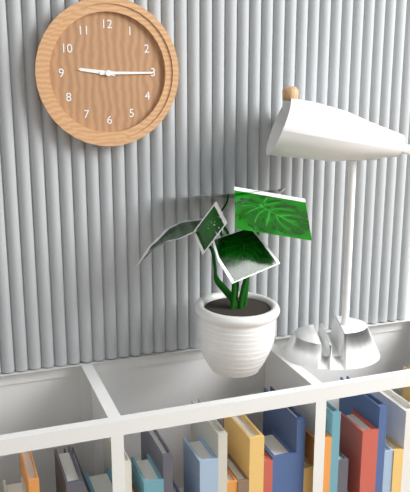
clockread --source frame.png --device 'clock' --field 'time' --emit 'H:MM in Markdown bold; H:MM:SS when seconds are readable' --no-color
**9:15**
